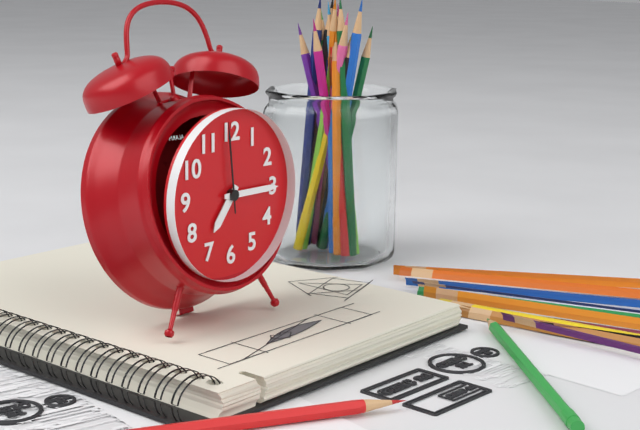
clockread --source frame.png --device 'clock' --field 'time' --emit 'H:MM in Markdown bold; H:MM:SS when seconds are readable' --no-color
**7:15:59**
